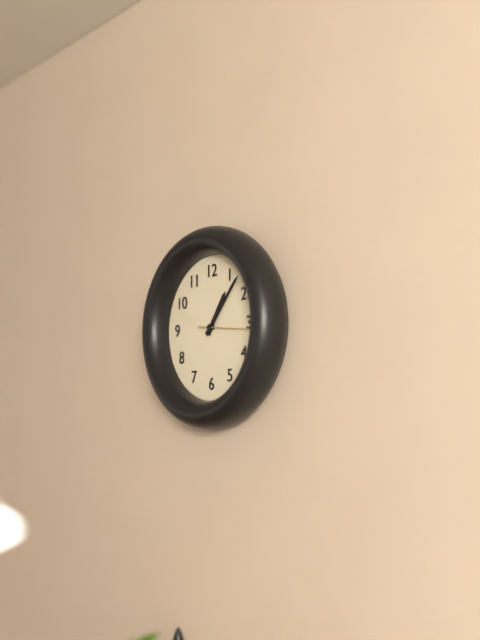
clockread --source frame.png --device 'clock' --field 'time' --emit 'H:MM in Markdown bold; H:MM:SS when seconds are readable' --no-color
**1:07:16**
